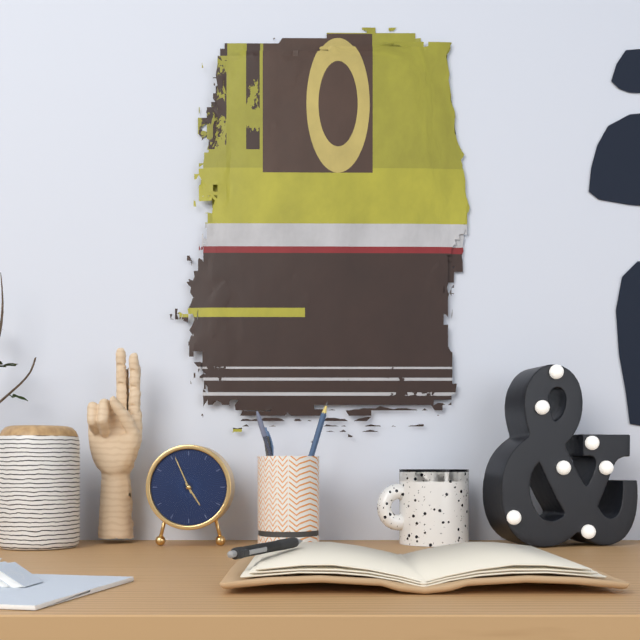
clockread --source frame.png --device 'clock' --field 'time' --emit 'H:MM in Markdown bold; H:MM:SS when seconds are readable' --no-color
**4:56**
